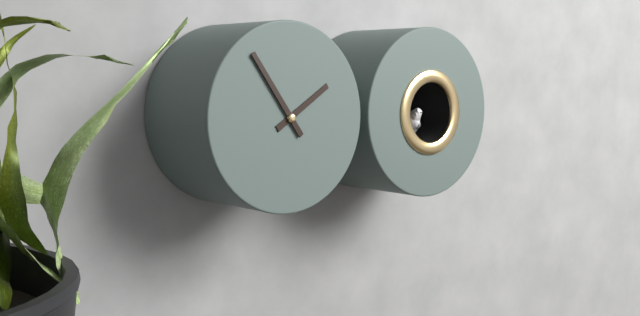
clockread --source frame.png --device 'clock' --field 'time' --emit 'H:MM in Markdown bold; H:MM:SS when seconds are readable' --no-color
**1:54**
